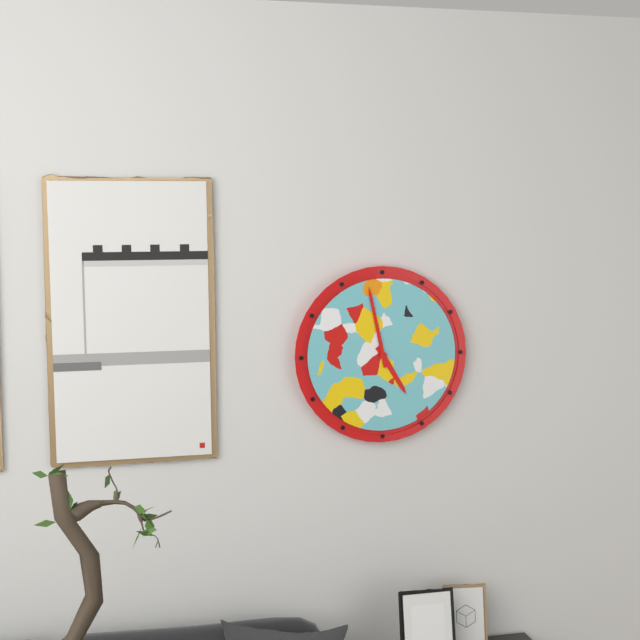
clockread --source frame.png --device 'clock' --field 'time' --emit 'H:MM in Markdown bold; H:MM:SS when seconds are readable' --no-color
**4:58**
